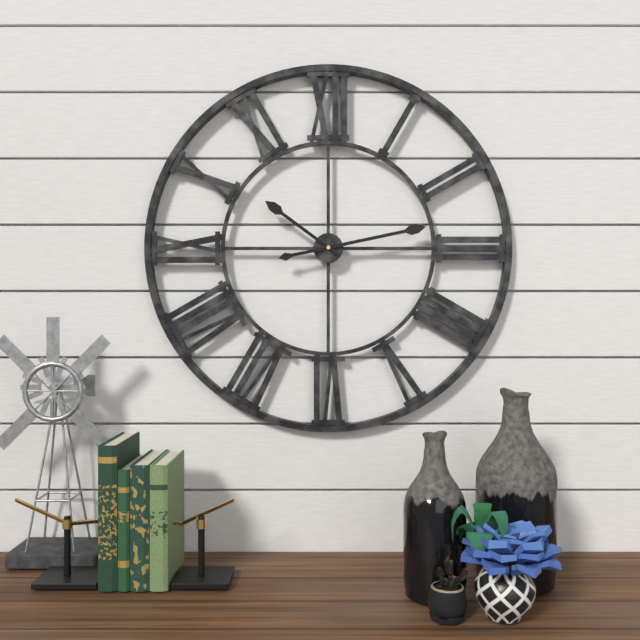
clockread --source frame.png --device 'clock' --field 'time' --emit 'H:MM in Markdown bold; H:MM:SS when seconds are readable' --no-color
**10:13**
